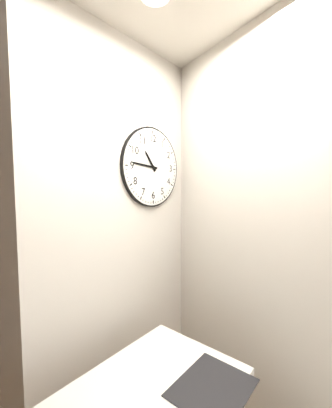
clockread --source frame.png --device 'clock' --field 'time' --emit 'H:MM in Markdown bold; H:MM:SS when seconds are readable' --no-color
**10:46**
